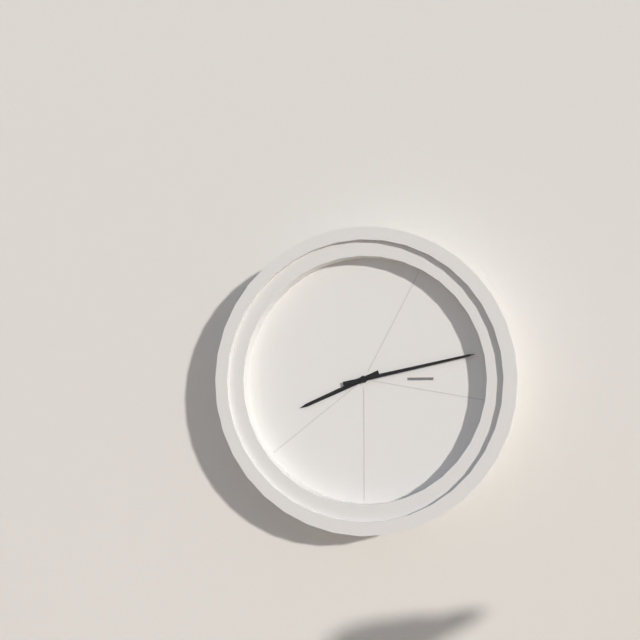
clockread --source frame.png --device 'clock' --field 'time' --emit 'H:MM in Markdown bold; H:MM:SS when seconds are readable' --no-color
**8:13**
